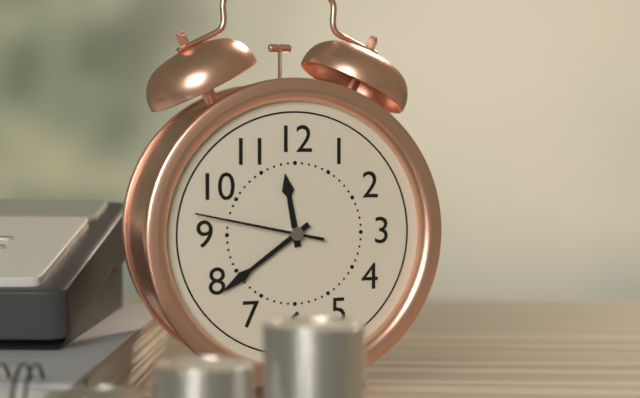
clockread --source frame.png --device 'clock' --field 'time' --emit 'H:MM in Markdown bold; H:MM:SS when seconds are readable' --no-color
**11:39:47**
